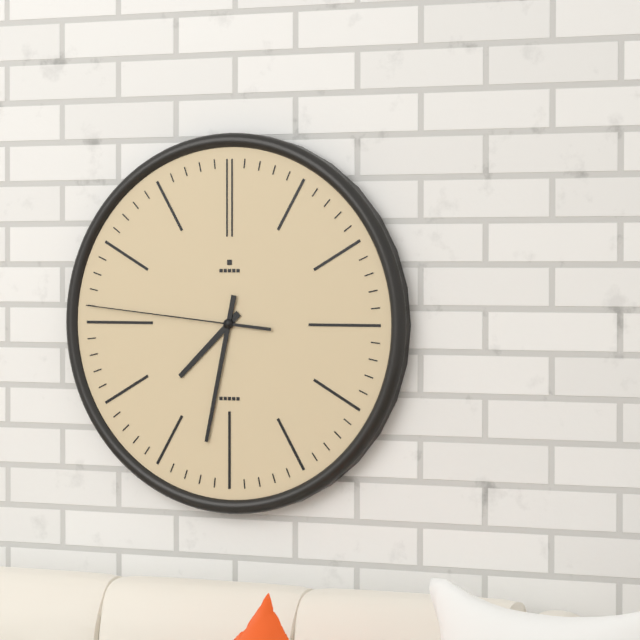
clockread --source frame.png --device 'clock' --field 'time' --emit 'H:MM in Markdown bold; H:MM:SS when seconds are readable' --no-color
**7:32:46**
